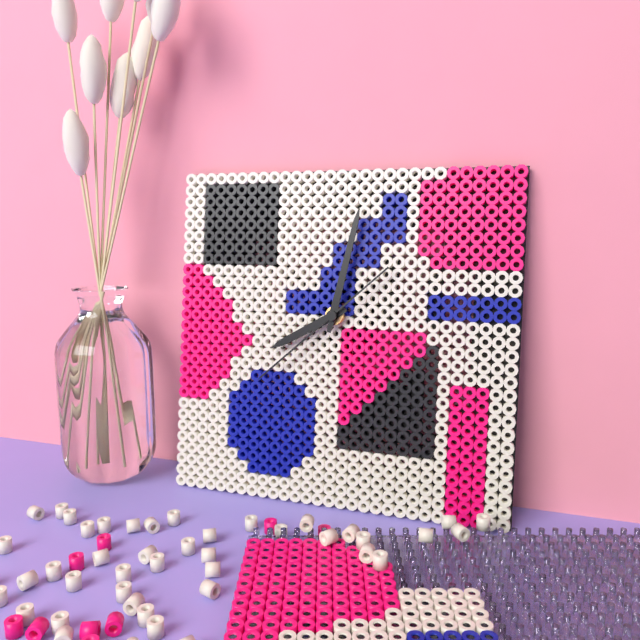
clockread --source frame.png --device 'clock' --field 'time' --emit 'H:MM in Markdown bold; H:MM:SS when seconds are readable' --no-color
**8:02:38**
